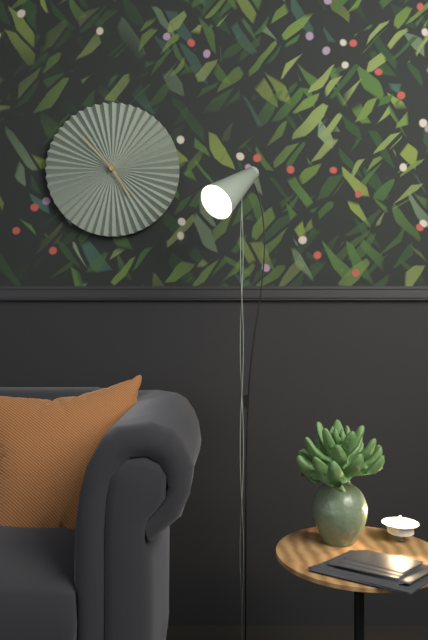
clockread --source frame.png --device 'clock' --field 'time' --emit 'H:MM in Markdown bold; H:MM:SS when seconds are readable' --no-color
**4:53**
